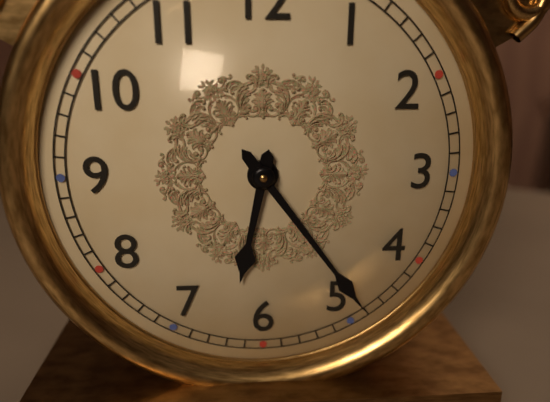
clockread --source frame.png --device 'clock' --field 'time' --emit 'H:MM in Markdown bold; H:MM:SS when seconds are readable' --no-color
**6:24**
